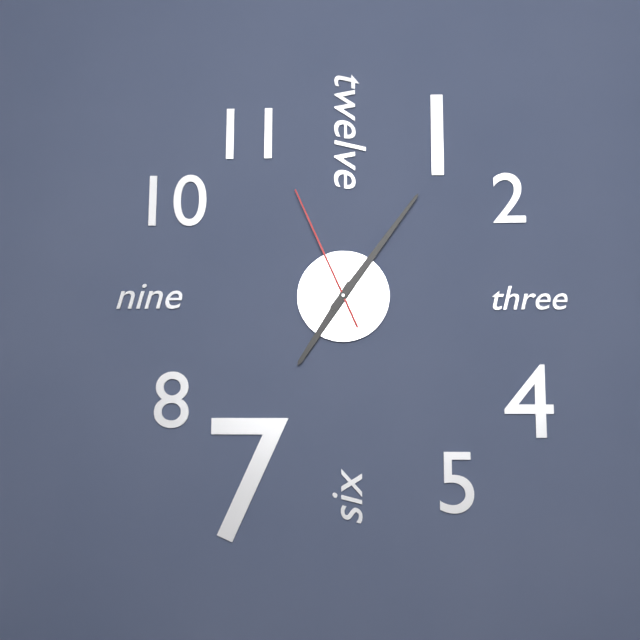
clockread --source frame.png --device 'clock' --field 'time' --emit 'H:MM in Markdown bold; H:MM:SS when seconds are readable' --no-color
**7:06:56**
